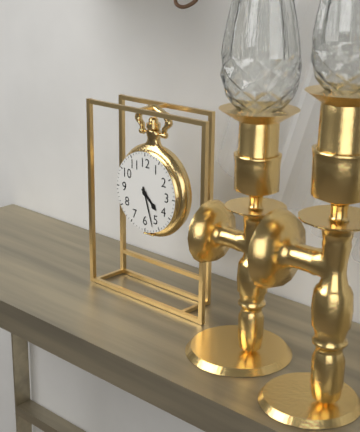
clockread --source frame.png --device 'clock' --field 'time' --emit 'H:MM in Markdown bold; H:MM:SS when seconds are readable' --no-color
**4:27**
